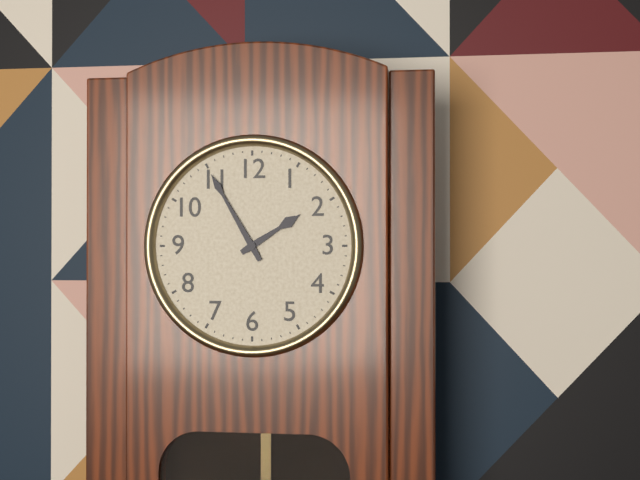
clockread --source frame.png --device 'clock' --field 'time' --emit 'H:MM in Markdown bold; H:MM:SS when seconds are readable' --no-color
**1:55**
